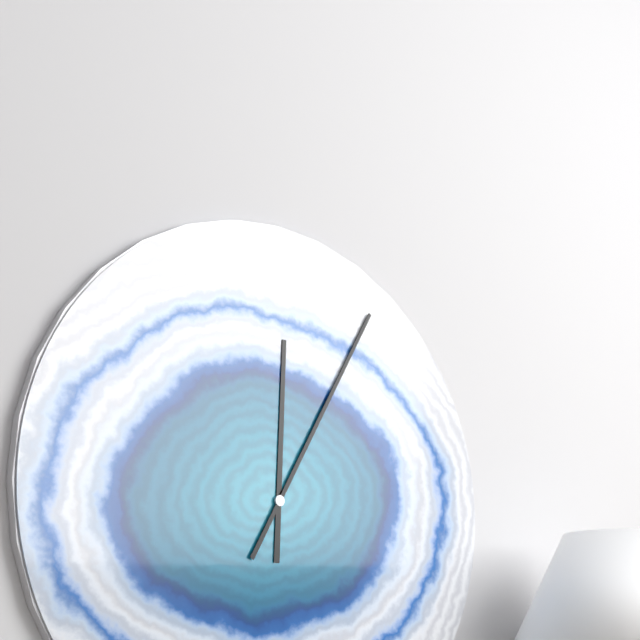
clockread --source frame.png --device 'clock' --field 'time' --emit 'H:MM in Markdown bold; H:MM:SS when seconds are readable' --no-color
**12:05**
